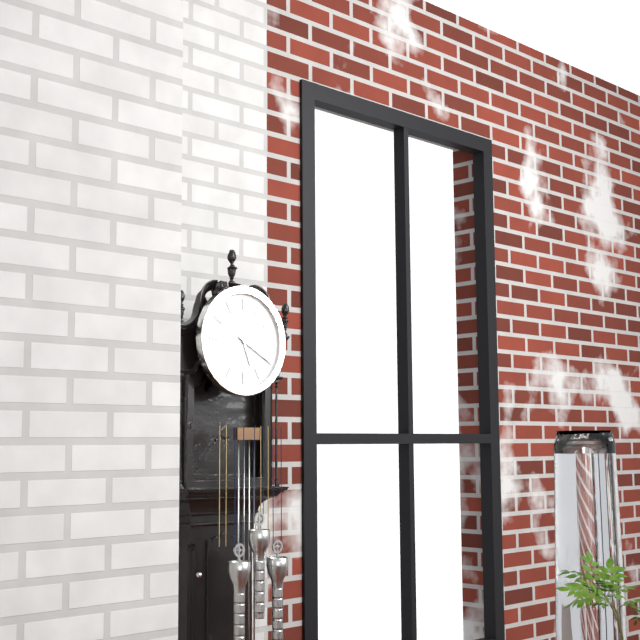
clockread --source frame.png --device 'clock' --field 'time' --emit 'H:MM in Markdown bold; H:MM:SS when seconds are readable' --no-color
**5:20**
